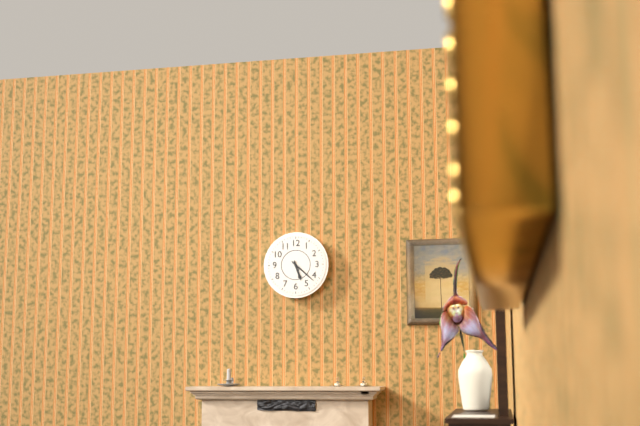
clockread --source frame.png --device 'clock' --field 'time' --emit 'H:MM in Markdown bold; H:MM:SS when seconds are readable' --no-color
**5:22**
